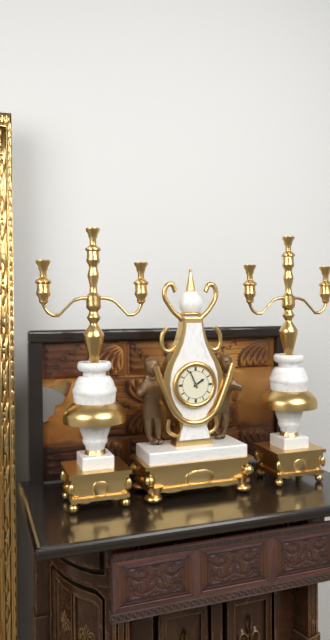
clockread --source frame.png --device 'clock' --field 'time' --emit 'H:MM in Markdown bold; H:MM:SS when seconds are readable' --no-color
**1:56**
